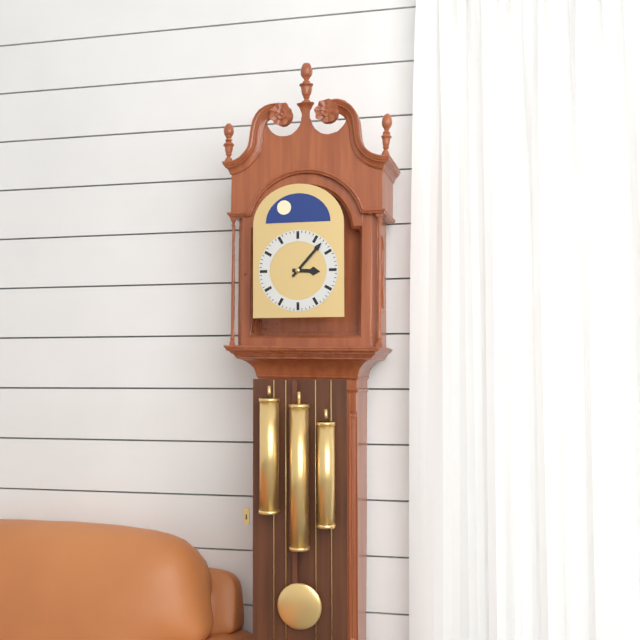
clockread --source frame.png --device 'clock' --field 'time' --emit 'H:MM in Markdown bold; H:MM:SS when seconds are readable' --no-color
**3:07**
